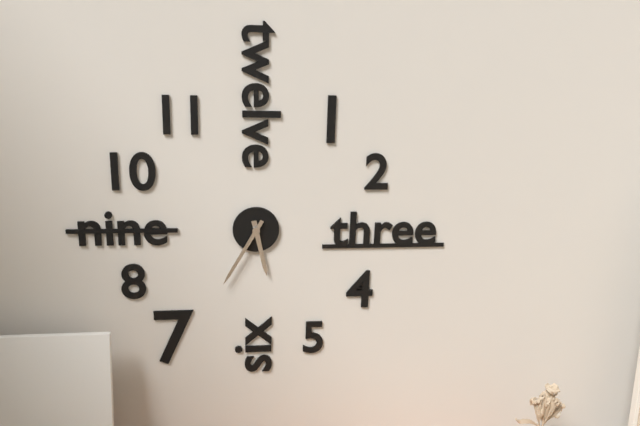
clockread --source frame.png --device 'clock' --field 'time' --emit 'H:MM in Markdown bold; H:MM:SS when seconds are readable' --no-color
**5:35**
